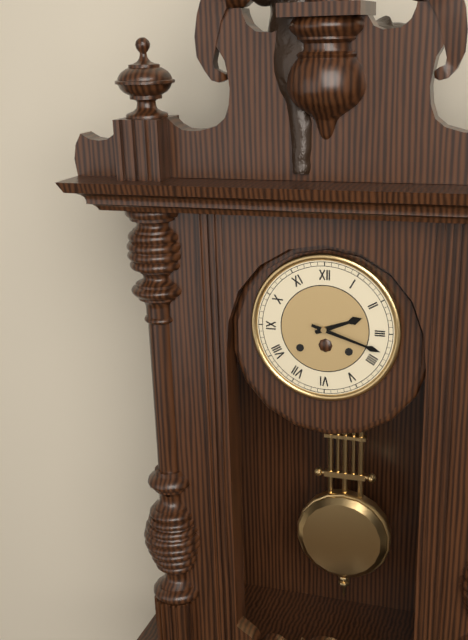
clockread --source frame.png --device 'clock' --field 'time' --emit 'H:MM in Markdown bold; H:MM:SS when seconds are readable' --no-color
**2:18**
